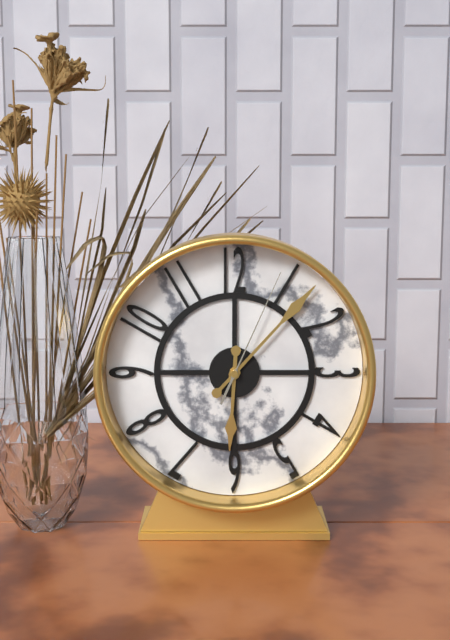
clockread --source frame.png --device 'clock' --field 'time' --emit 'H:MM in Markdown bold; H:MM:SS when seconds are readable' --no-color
**6:07:04**
